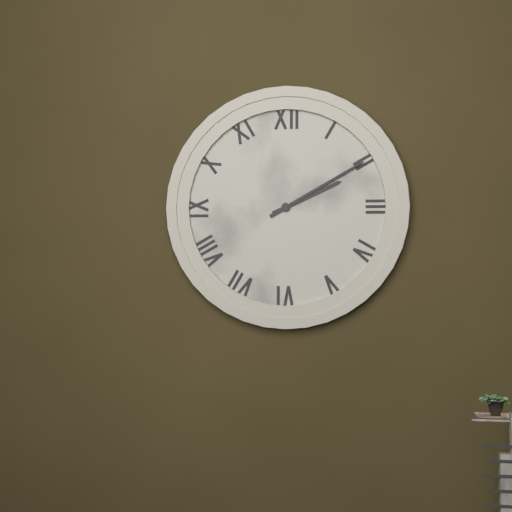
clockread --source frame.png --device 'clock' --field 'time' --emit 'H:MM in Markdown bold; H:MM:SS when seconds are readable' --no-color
**2:10**
